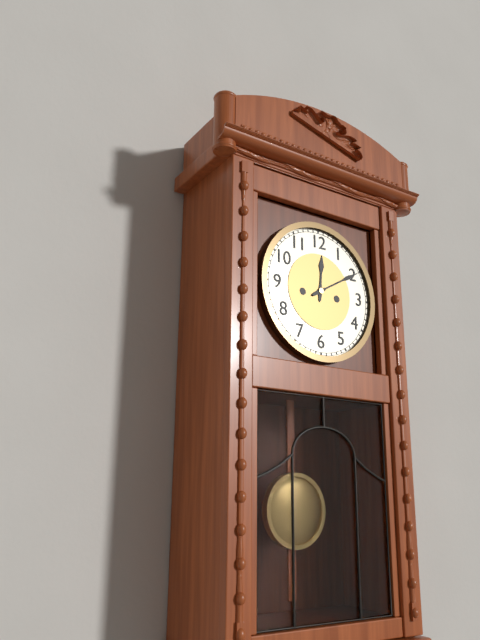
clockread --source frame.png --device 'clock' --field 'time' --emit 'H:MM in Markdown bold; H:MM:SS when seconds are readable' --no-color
**12:10**
